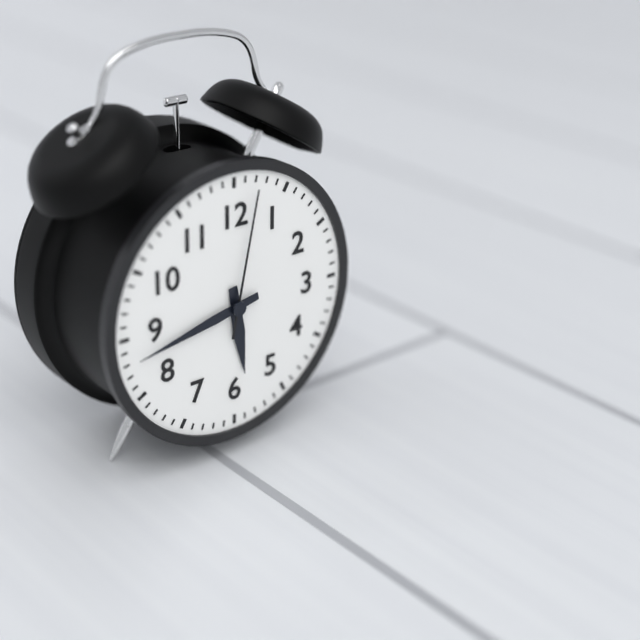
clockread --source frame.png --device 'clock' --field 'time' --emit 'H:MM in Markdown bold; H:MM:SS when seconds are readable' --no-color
**5:43:02**
